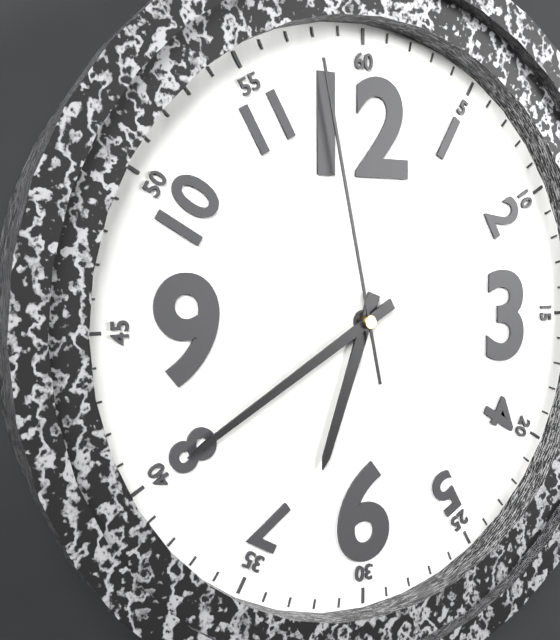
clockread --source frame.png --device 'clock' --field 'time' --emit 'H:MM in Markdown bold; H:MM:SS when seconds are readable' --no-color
**6:40:58**
